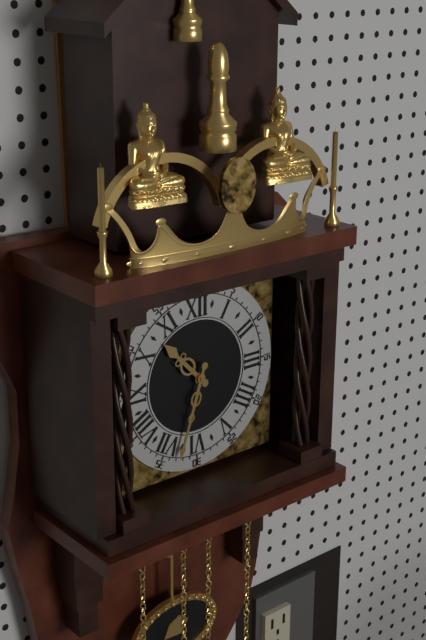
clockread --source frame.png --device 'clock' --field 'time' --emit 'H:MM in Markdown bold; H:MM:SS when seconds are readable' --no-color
**10:33**
